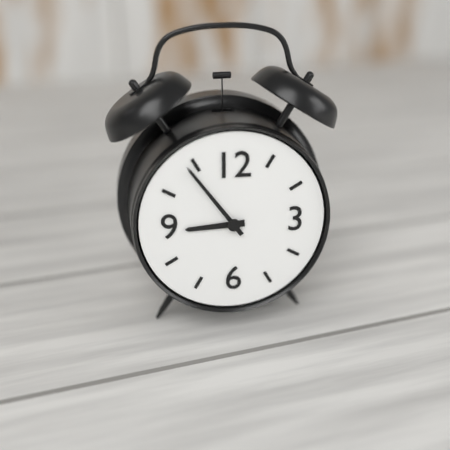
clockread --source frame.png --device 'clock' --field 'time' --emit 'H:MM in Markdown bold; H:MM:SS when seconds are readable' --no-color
**8:54**
